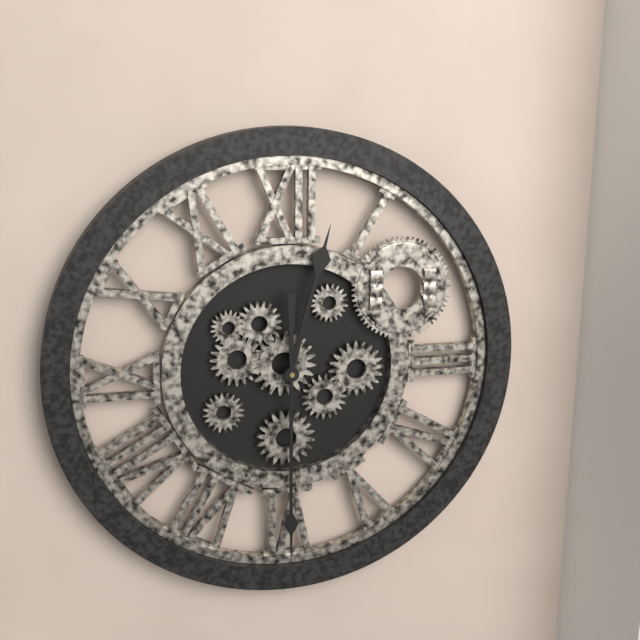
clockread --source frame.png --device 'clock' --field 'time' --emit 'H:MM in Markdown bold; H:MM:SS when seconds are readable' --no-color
**12:30**
